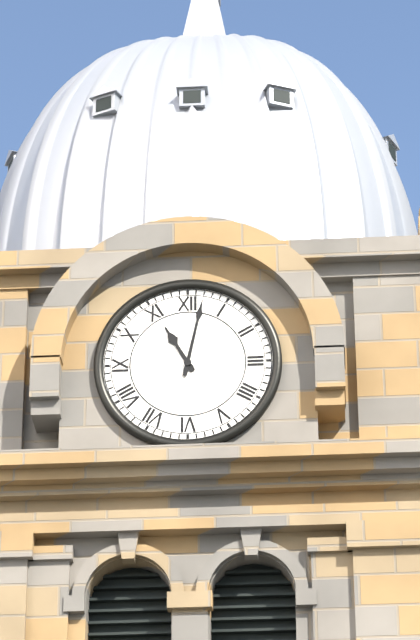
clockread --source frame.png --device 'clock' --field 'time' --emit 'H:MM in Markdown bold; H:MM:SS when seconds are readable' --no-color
**11:02**
